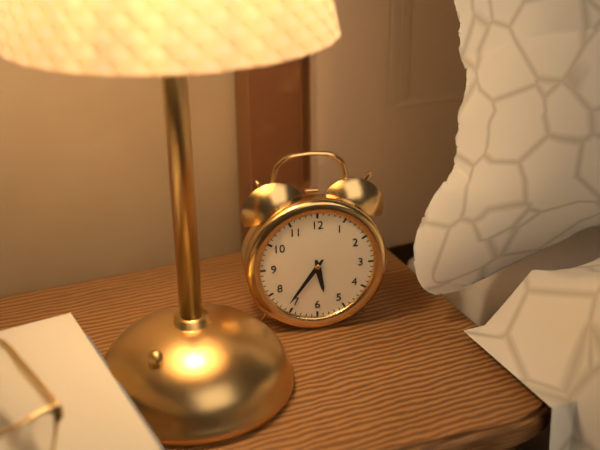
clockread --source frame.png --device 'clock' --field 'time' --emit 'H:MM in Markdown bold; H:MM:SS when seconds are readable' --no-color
**5:36**
